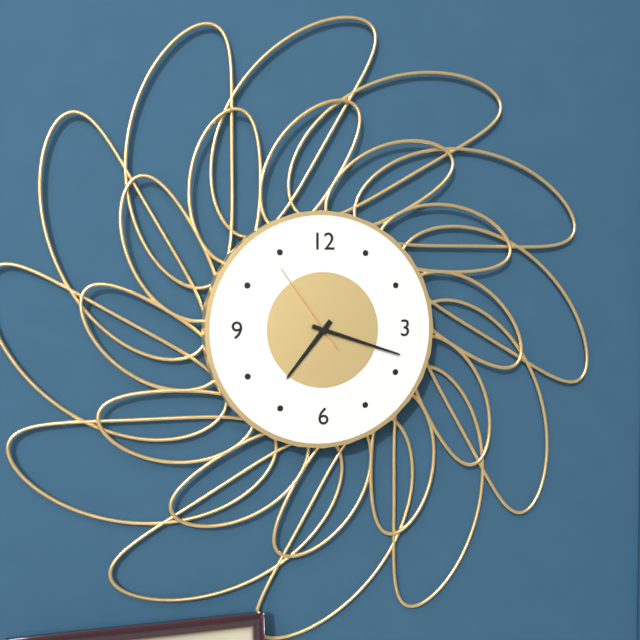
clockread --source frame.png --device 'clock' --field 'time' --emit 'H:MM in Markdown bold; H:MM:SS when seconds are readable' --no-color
**7:18:54**
